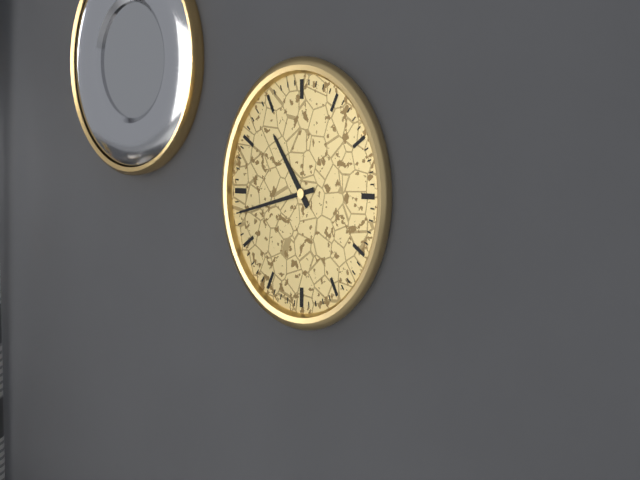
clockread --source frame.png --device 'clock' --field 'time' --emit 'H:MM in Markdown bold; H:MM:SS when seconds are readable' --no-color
**10:43**
